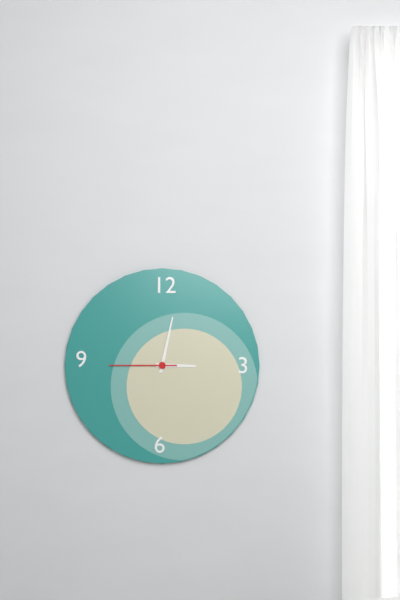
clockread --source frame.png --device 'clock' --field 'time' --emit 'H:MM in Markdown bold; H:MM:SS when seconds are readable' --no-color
**3:02:45**
